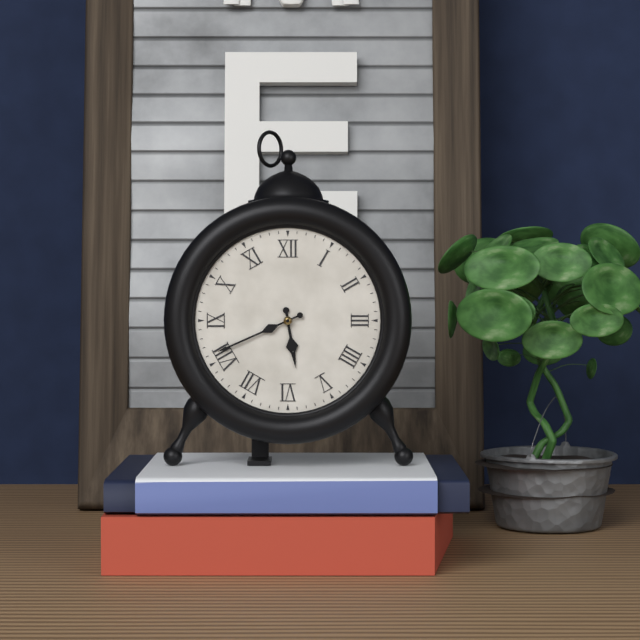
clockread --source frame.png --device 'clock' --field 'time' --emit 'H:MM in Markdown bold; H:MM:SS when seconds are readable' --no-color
**5:41**
